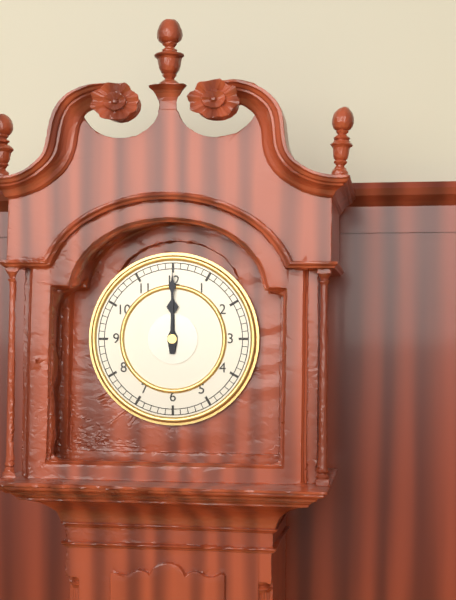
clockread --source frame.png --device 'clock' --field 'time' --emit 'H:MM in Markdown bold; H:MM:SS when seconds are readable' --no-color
**12:00**
